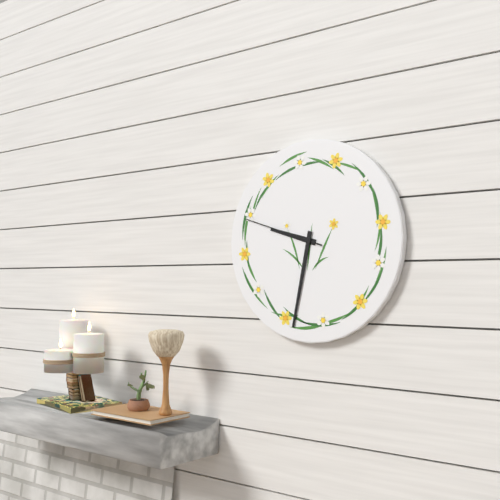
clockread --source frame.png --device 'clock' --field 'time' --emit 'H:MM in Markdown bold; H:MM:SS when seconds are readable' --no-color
**9:32:48**
